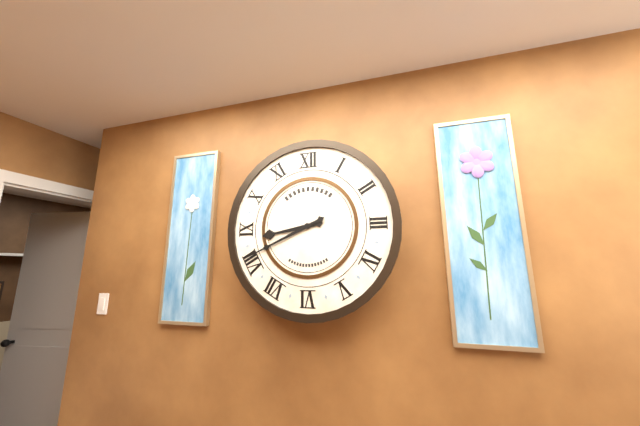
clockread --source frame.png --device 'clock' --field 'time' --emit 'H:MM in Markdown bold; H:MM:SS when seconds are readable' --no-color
**8:41**
